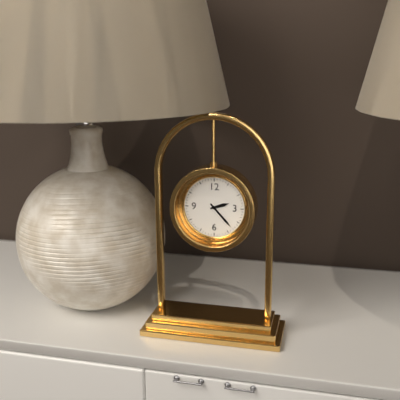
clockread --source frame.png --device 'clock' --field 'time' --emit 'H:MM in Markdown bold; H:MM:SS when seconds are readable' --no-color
**2:23**
